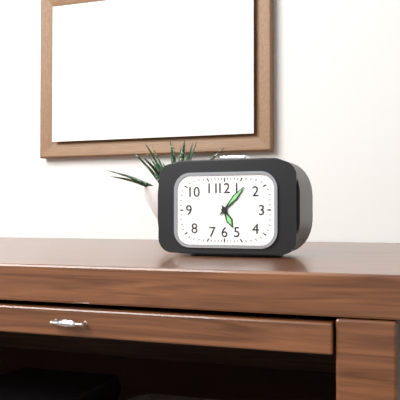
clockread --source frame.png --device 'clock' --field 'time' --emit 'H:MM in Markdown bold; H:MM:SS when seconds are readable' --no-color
**5:07**
